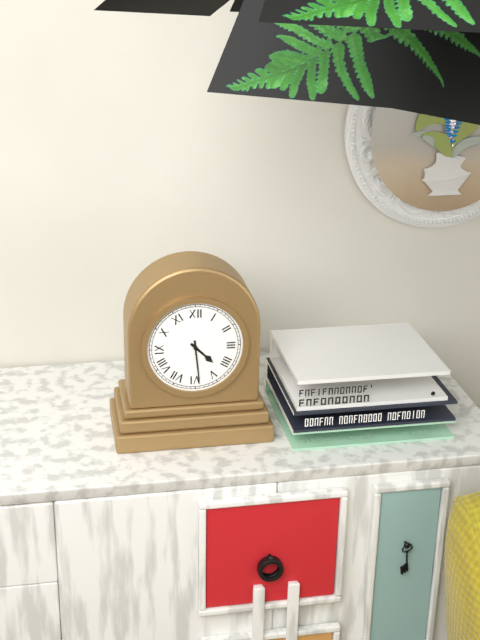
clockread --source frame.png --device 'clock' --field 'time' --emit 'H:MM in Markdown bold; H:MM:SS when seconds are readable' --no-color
**4:29**
